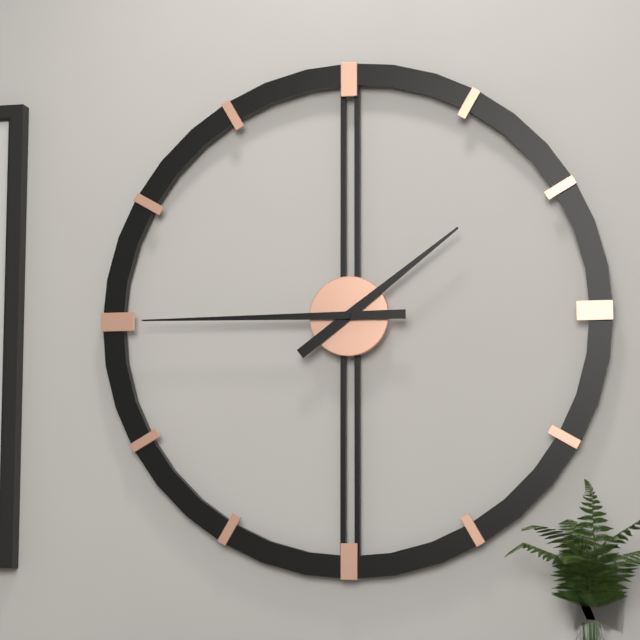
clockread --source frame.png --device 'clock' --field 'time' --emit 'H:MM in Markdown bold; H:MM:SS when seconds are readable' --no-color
**1:45**
